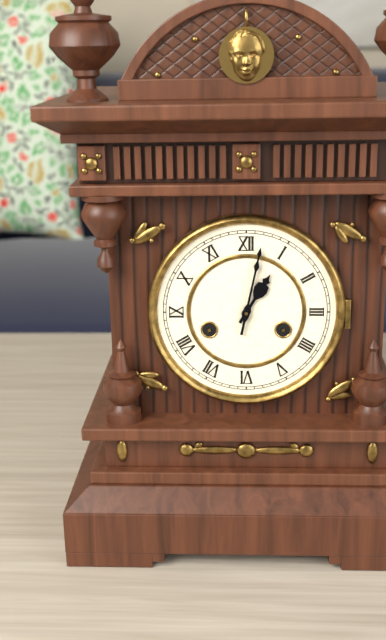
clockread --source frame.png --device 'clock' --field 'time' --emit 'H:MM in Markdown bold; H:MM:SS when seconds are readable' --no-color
**1:02**
